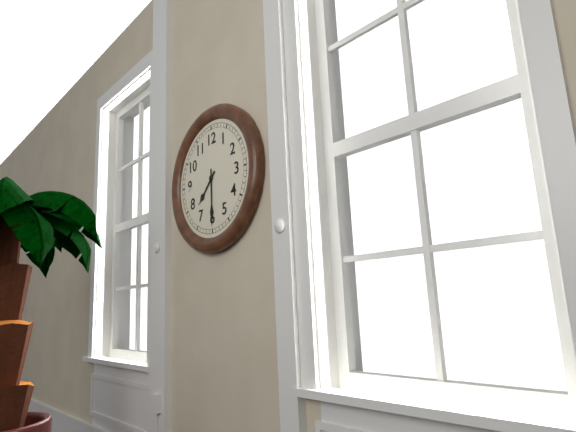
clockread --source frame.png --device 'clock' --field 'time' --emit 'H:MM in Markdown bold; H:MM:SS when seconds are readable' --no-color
**7:30**
